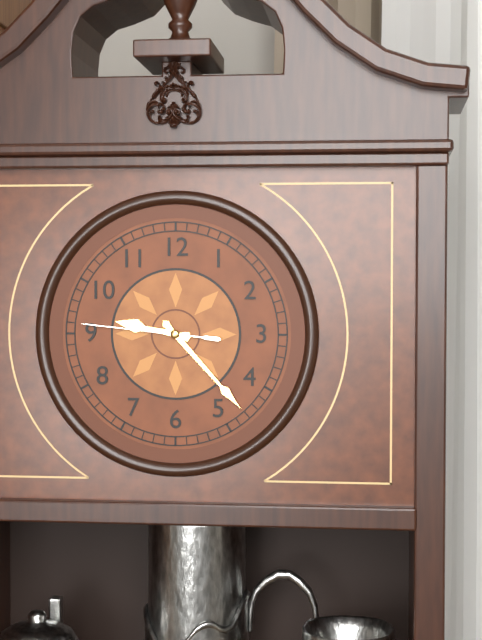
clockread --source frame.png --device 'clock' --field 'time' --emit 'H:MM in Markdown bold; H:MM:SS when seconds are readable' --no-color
**9:23:46**
